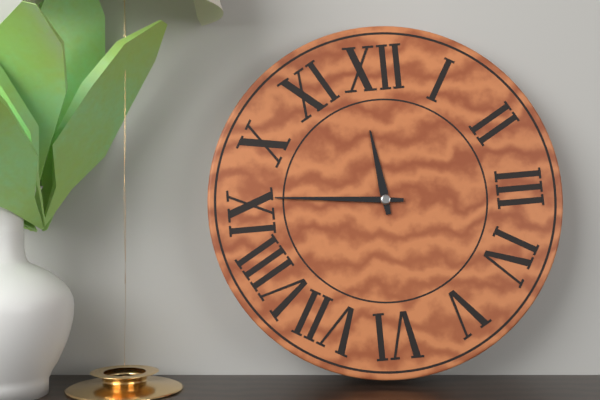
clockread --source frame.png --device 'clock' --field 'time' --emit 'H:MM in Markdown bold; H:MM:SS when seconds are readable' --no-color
**11:46**
